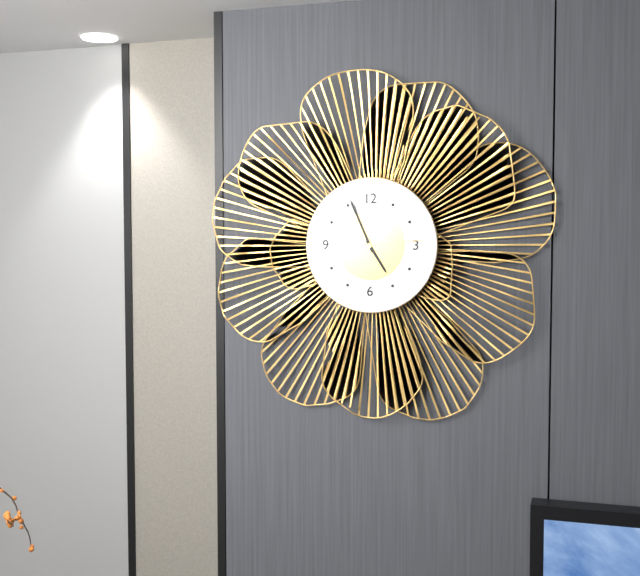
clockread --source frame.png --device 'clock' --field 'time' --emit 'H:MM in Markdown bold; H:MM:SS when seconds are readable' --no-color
**4:56:14**
